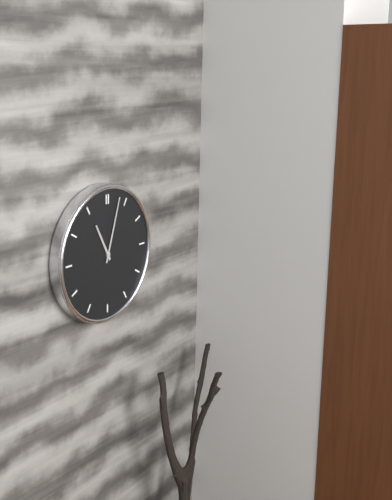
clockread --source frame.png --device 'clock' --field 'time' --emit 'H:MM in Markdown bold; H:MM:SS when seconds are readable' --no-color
**11:03**
